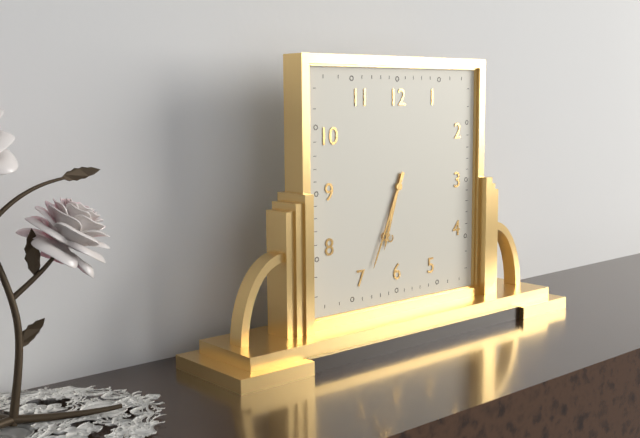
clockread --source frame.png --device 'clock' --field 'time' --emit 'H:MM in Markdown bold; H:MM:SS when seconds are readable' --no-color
**6:34**
